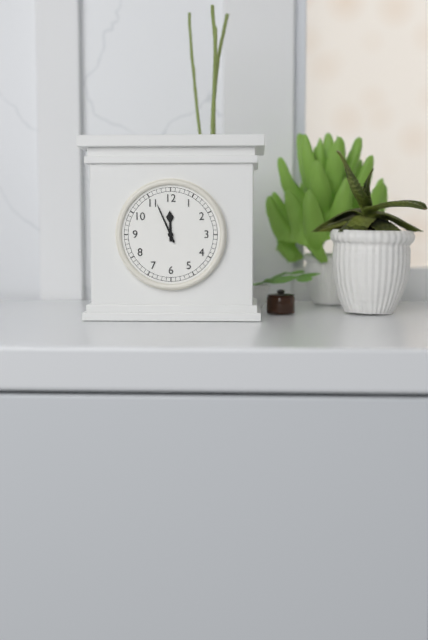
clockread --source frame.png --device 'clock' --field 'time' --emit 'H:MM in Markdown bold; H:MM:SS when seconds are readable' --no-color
**11:56**
